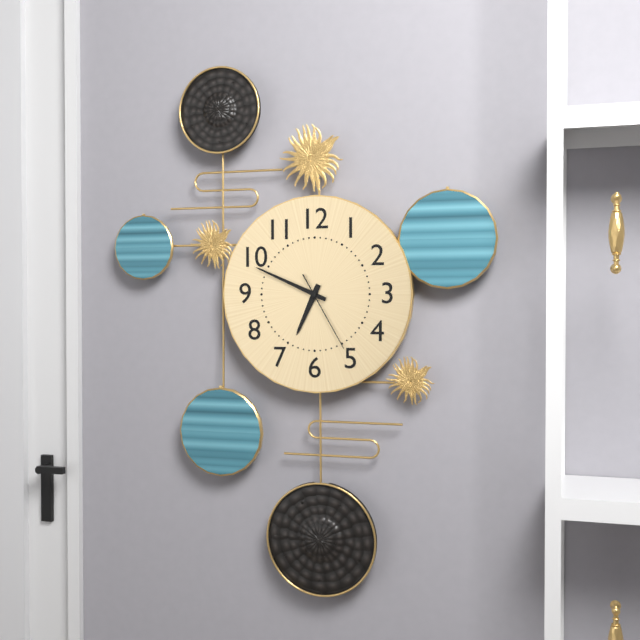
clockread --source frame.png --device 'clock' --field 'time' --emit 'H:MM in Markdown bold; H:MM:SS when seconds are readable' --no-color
**6:49:25**
